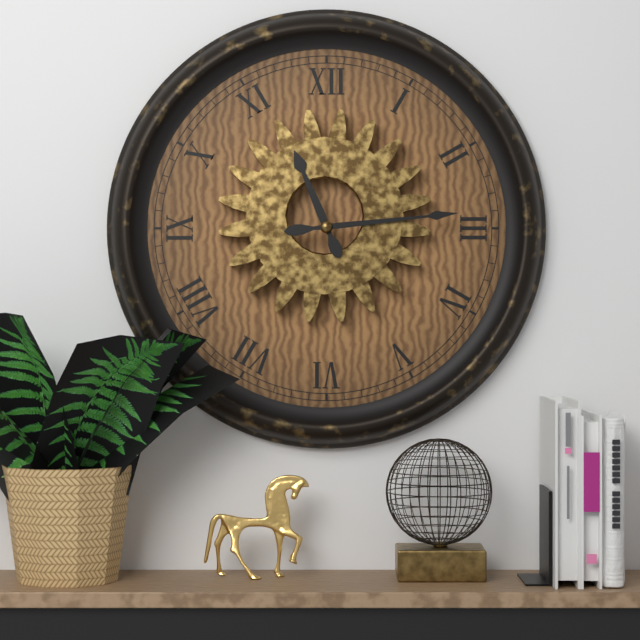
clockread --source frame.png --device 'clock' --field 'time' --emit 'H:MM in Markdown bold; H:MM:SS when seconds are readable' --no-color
**11:14**
